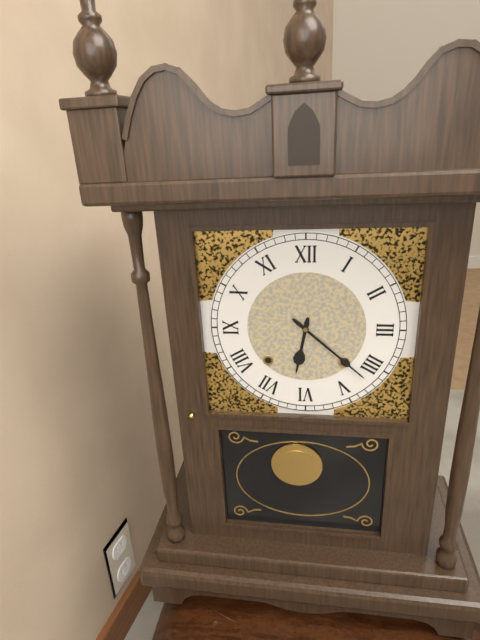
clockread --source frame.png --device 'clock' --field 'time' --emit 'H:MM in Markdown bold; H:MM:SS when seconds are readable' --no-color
**6:22**
